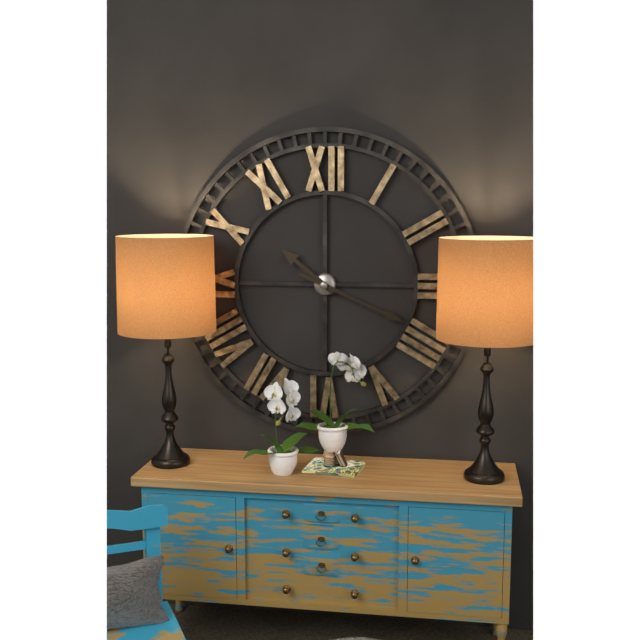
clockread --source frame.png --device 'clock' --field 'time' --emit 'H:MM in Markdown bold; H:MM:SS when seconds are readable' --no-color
**10:19**
